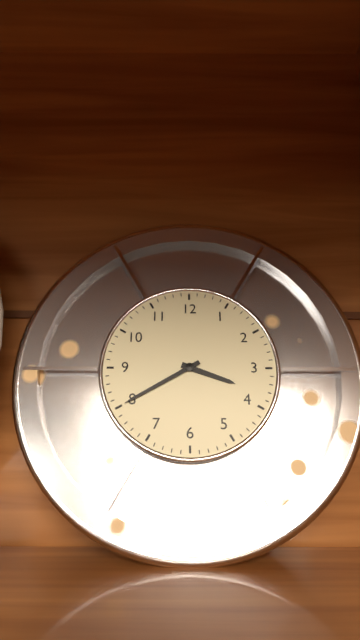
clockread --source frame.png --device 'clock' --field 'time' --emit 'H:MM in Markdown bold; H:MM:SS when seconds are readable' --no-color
**3:40**
